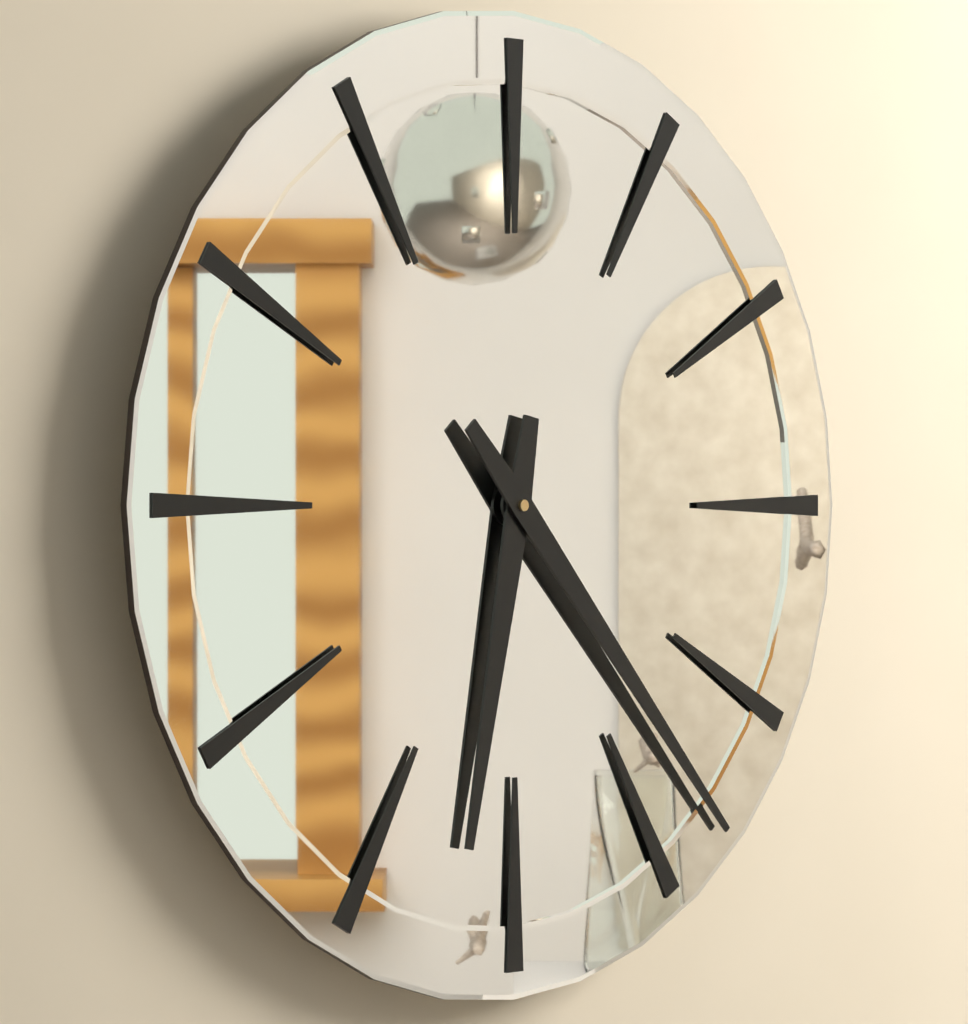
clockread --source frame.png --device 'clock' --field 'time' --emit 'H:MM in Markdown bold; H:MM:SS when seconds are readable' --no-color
**6:23**
